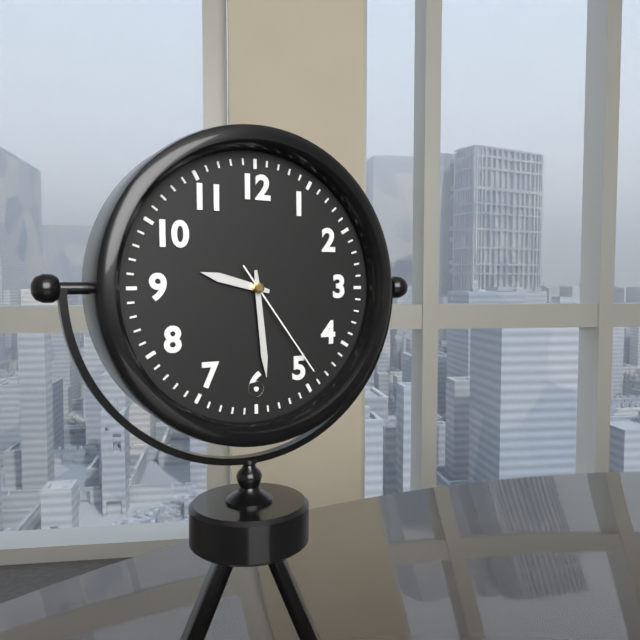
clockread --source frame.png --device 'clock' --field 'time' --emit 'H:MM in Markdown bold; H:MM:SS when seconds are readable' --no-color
**9:29:24**
